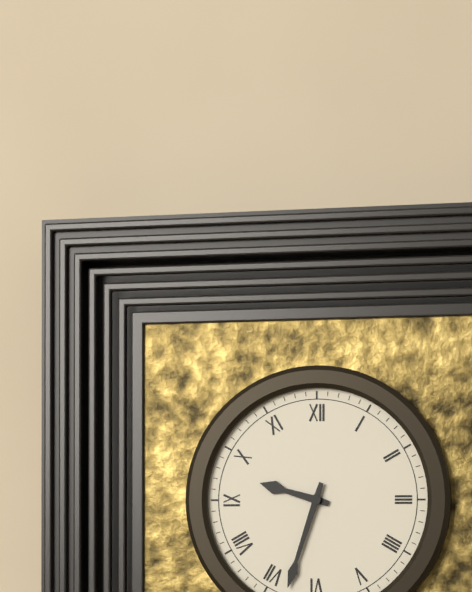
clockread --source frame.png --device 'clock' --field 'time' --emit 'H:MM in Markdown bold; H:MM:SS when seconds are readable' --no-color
**9:33**
